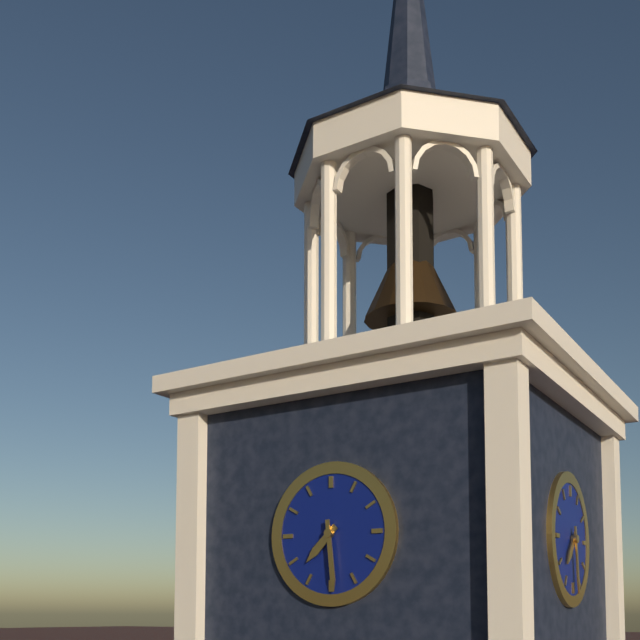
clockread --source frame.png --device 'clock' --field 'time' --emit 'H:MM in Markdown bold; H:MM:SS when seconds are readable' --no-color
**7:29**
